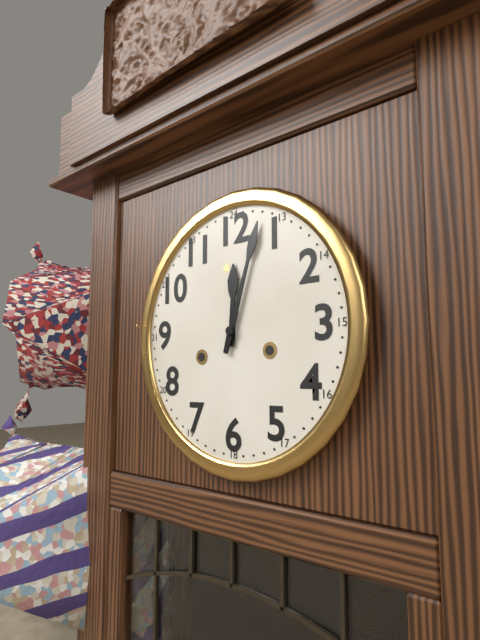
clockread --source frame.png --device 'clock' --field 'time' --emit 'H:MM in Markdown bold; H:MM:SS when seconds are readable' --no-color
**12:03**
